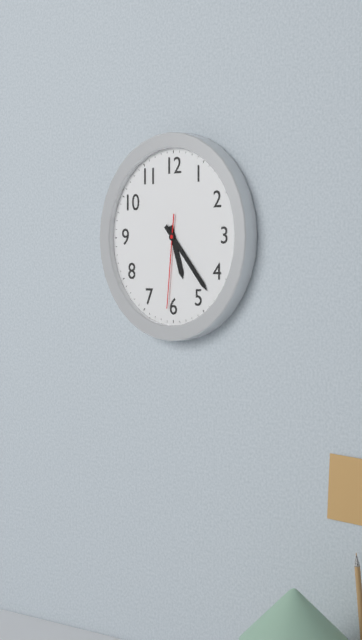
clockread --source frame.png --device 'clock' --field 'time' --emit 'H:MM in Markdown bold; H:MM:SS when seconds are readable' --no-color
**5:23:31**
